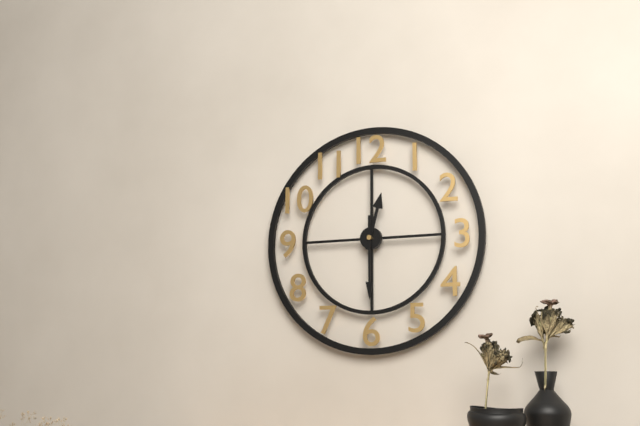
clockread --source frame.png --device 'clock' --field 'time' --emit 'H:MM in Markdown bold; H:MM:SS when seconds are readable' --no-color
**12:30**
